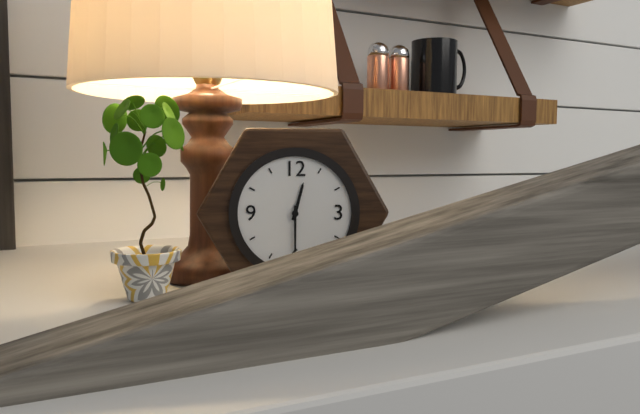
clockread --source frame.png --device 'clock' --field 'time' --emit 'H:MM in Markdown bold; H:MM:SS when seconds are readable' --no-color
**12:30**
